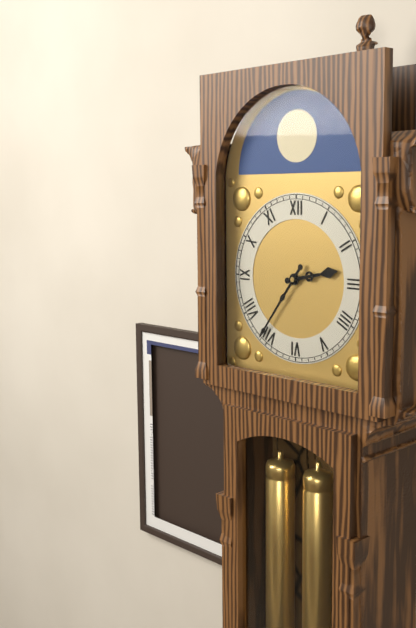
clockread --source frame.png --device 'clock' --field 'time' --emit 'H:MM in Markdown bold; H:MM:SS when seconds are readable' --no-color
**2:36**
